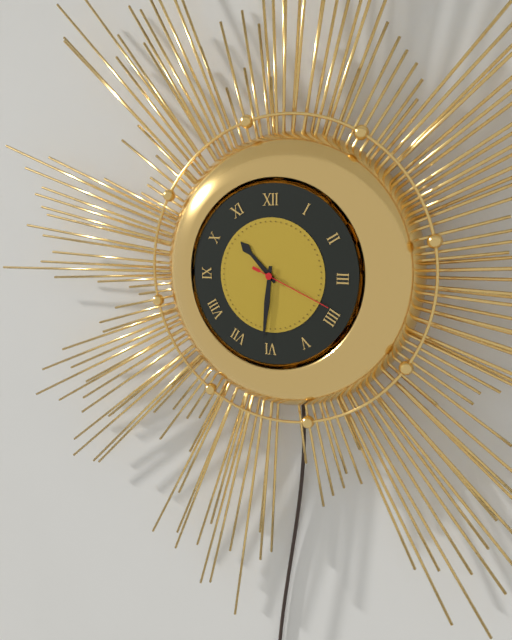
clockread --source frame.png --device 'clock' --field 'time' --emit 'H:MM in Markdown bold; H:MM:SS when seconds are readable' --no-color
**10:31:19**
